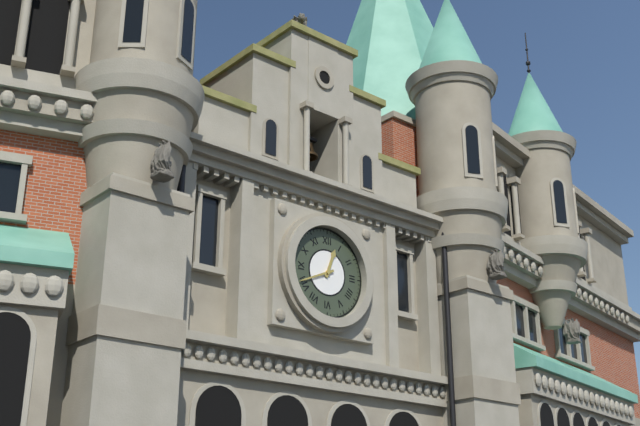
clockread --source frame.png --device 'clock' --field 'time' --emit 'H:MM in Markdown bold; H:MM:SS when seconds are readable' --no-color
**12:41**
